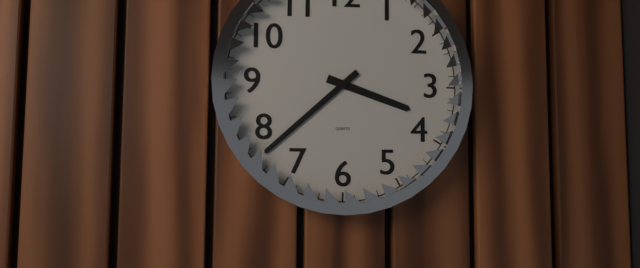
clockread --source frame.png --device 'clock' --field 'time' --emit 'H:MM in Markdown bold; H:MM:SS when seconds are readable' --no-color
**3:38**
